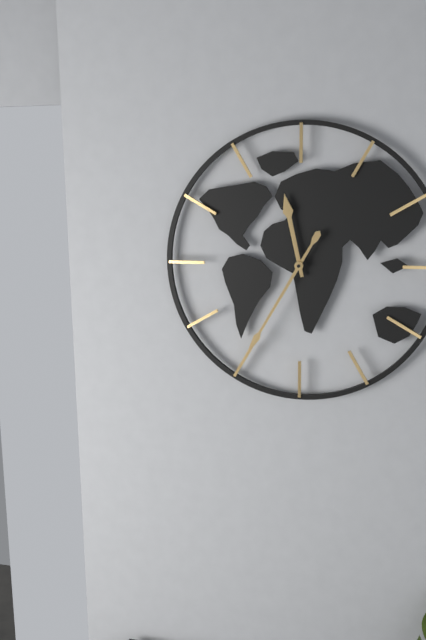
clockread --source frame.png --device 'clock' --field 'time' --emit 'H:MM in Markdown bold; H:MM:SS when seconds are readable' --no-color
**11:35**
